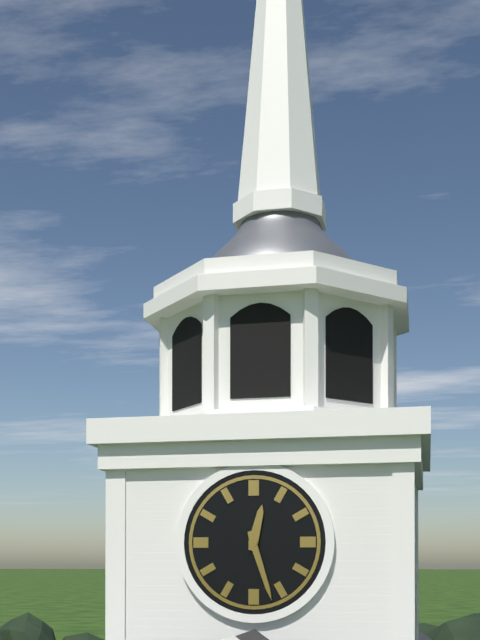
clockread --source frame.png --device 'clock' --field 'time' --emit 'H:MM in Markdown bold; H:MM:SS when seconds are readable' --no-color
**12:27**
